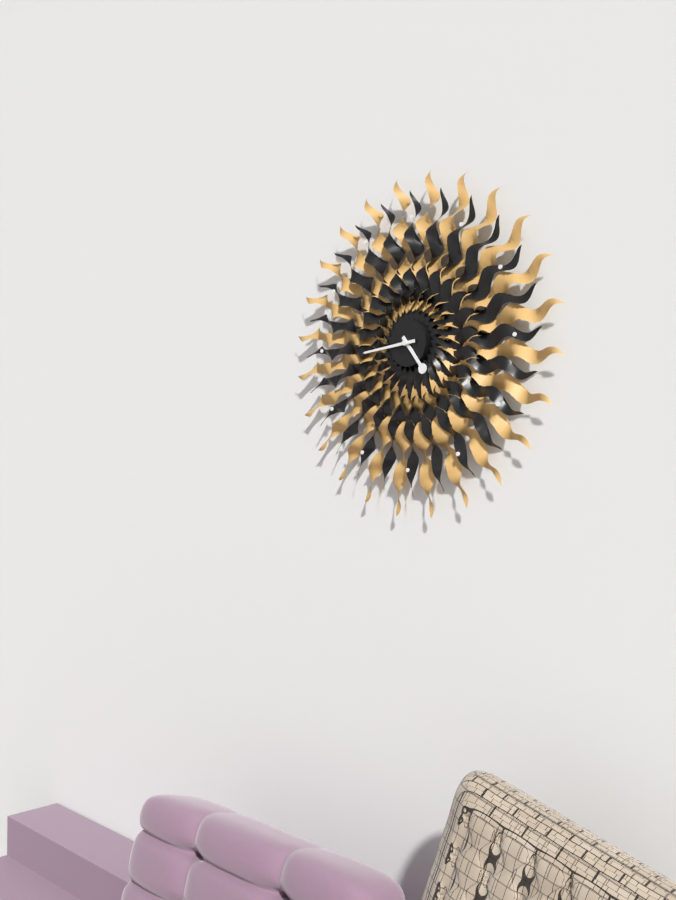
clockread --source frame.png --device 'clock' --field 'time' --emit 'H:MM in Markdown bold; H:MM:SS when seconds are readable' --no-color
**4:44**
